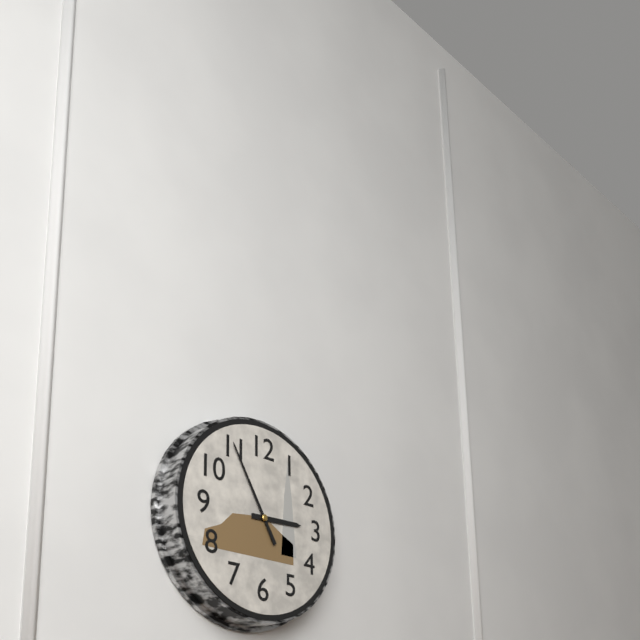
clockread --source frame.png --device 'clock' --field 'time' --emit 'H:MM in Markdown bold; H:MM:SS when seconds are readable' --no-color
**2:55**
